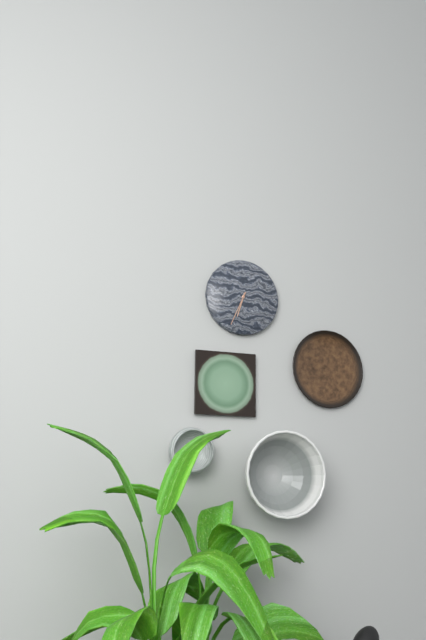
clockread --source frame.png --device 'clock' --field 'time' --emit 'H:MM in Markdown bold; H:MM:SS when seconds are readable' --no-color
**6:34**
